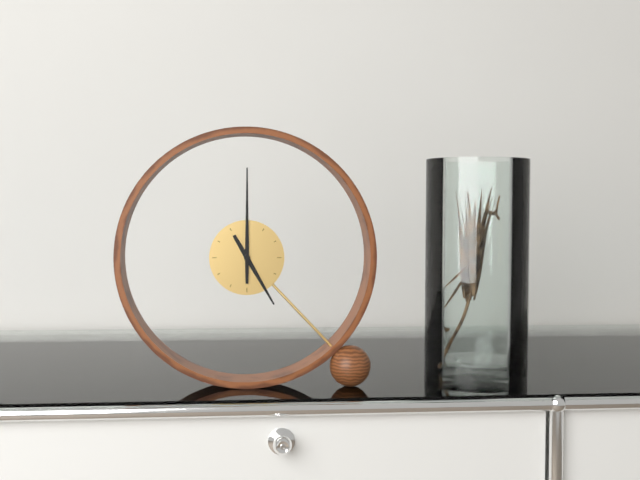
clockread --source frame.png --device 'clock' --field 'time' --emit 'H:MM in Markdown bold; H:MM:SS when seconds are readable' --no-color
**5:00**
